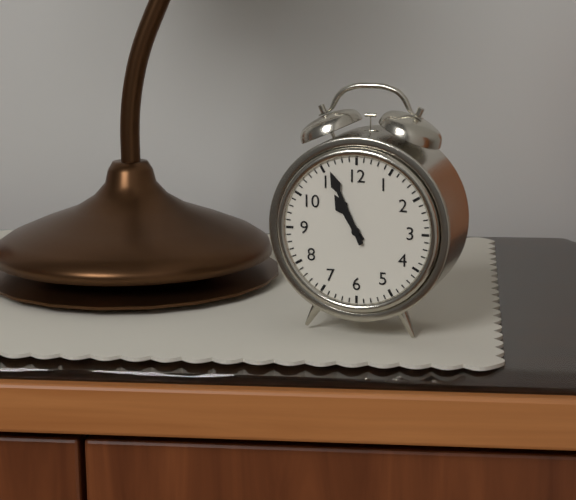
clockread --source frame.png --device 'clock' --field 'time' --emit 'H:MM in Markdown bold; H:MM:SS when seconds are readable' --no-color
**10:56**
